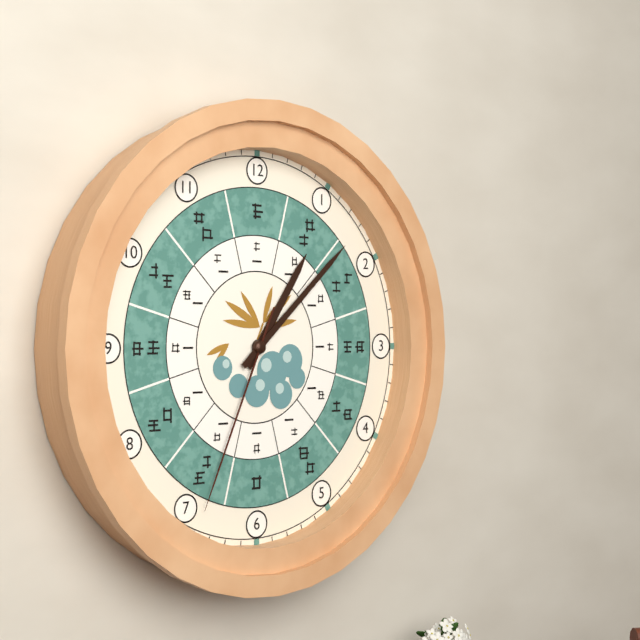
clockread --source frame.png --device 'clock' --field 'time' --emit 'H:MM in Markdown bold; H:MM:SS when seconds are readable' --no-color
**1:08:34**
